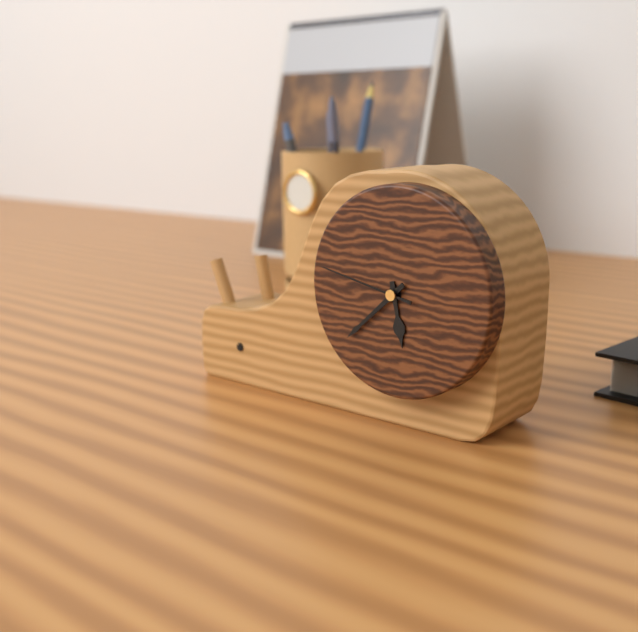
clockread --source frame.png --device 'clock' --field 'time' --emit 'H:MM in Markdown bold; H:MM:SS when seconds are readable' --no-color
**5:38:47**
